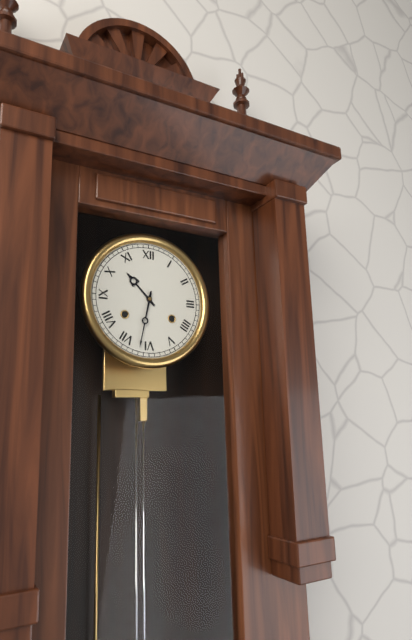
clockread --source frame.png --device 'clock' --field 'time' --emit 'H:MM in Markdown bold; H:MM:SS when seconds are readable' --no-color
**10:32**
